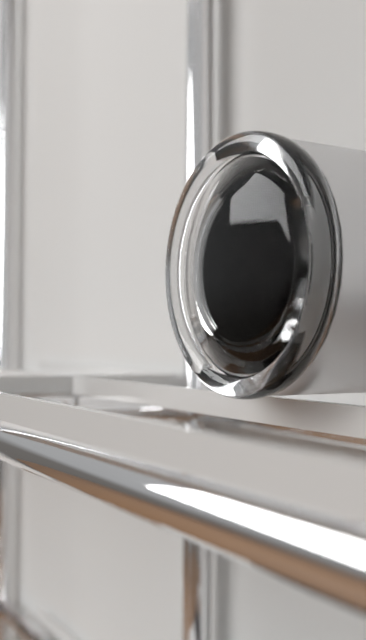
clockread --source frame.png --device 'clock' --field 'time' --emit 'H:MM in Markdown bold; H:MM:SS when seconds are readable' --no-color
**10:05:20**
